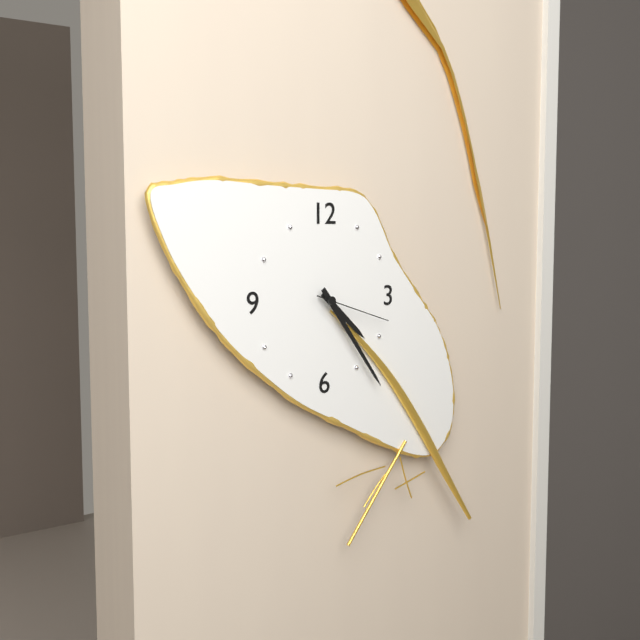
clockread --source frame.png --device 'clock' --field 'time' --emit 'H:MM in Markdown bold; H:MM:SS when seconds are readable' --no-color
**4:24:18**
